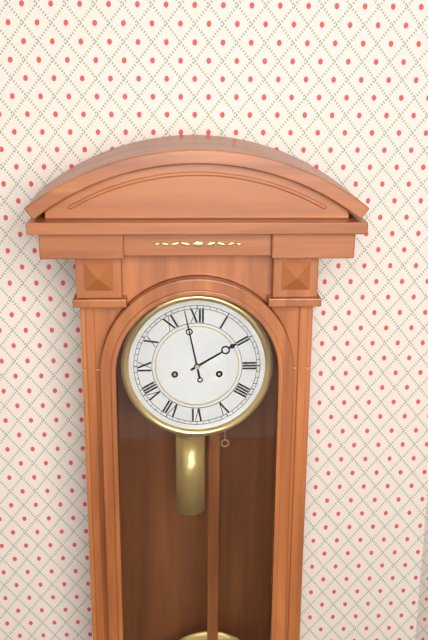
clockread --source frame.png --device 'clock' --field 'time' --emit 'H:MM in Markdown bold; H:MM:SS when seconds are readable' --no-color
**1:58**
